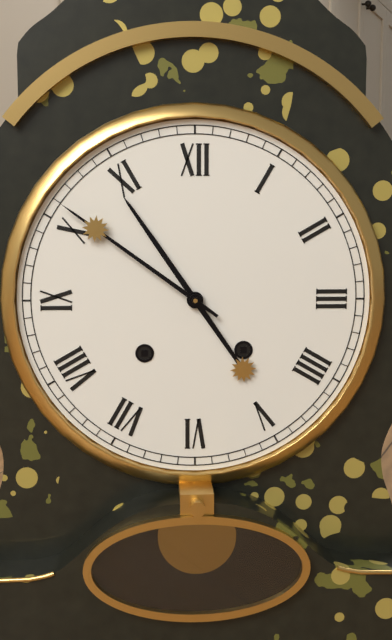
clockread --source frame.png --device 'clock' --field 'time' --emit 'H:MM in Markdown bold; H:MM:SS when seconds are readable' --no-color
**10:51**
